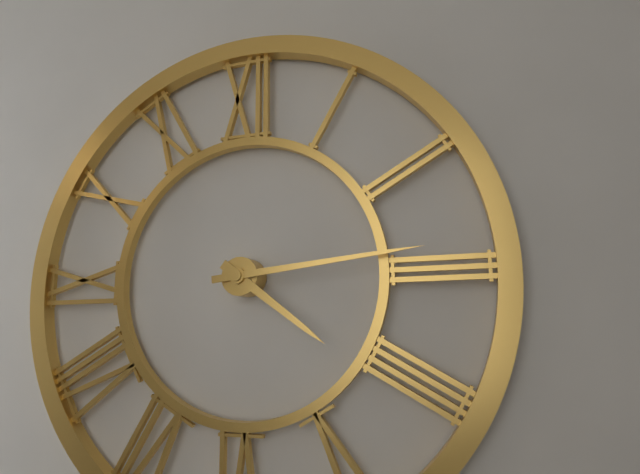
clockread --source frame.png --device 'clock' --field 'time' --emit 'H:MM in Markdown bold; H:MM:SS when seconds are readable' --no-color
**4:14**
